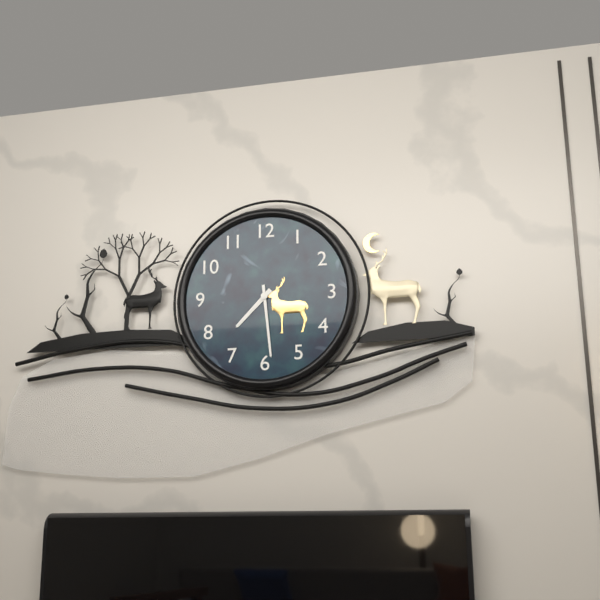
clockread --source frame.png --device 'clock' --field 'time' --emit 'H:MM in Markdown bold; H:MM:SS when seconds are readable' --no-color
**7:29**
